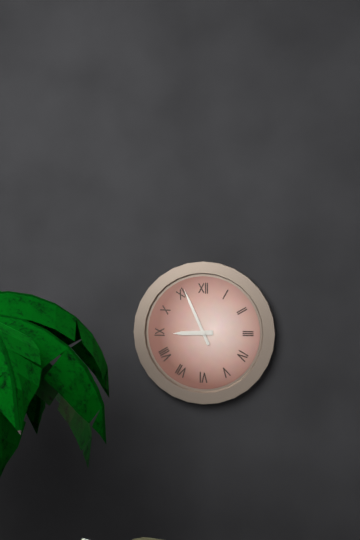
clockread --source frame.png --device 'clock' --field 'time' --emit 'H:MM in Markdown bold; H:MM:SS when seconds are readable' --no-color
**8:56**
